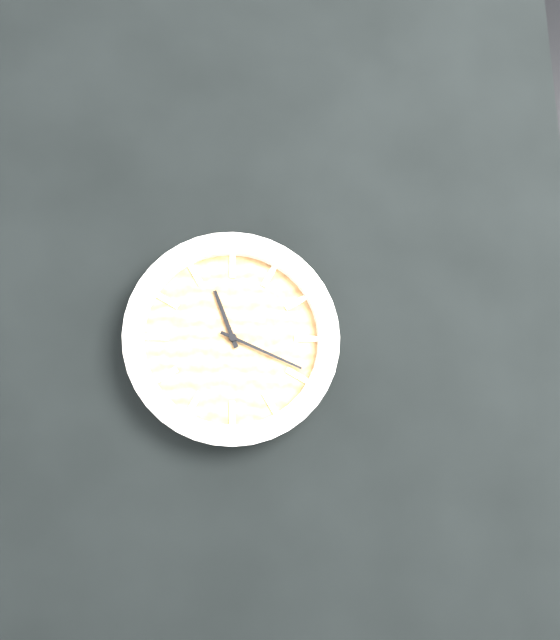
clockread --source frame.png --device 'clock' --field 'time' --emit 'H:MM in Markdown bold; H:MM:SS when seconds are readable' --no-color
**11:19**
